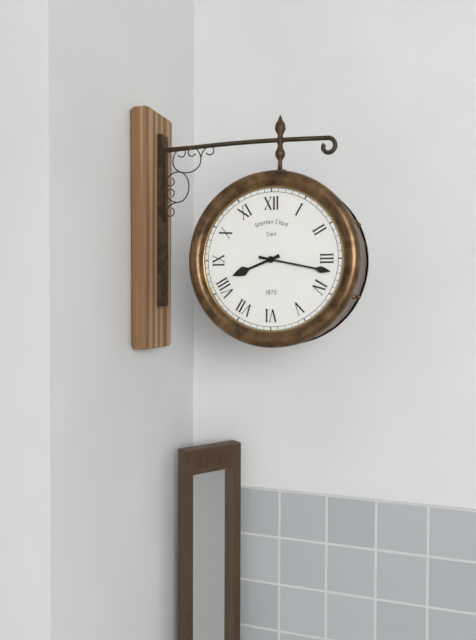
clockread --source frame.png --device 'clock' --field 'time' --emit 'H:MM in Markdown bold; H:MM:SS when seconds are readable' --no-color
**8:17**
